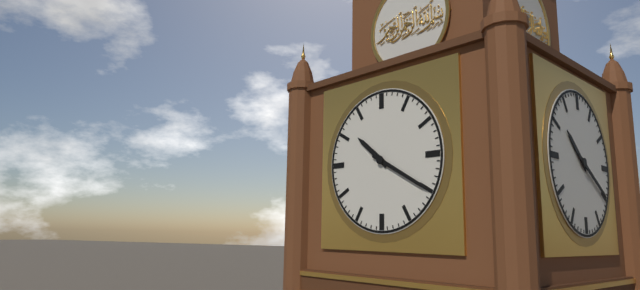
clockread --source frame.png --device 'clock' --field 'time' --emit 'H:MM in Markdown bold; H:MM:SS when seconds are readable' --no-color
**10:20**
